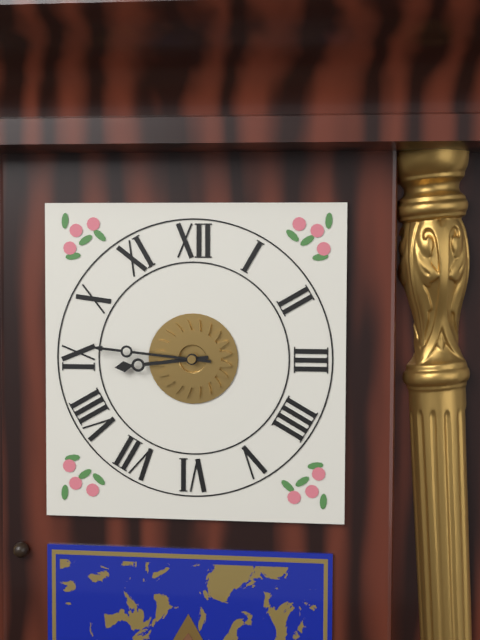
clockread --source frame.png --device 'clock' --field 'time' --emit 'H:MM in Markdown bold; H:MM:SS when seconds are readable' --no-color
**8:46**
